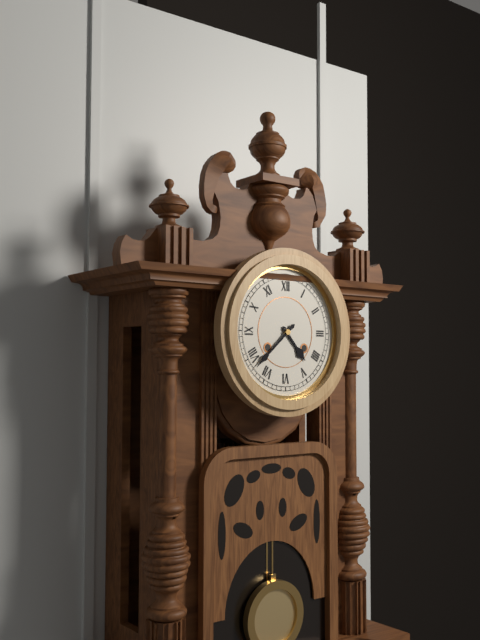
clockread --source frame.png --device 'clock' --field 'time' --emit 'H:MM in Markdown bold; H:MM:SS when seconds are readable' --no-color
**4:38**
